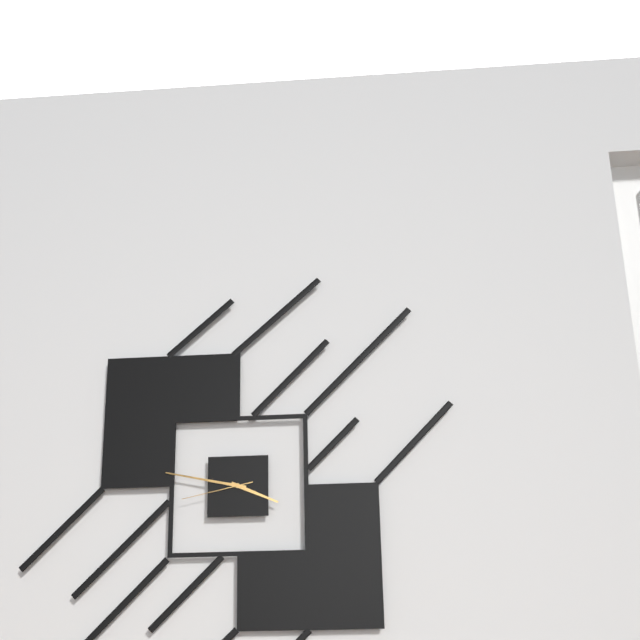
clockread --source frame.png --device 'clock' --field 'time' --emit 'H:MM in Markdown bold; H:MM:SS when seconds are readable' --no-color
**3:47:43**
